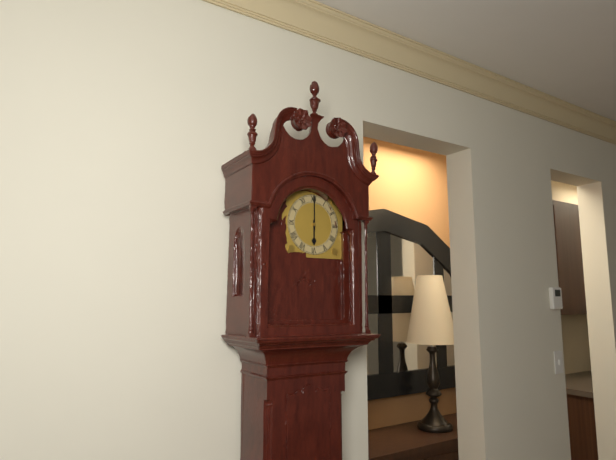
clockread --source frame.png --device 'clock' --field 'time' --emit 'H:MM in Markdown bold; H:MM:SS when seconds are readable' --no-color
**6:00**
